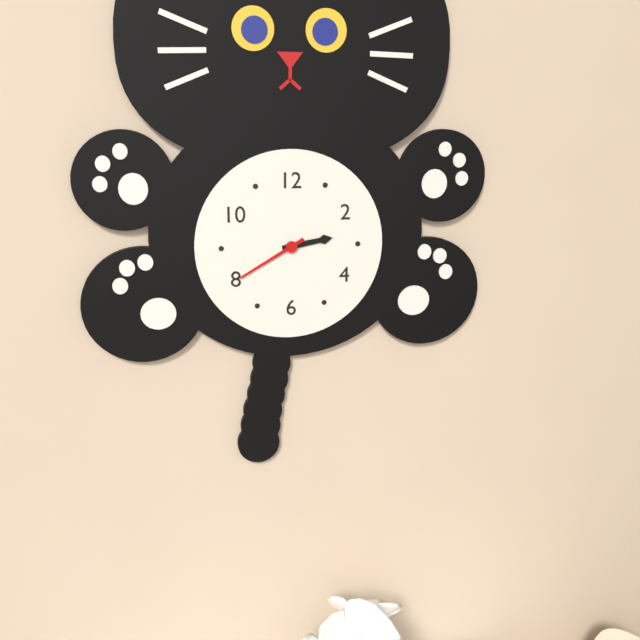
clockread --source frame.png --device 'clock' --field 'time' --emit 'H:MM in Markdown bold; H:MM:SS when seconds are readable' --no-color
**2:40**
